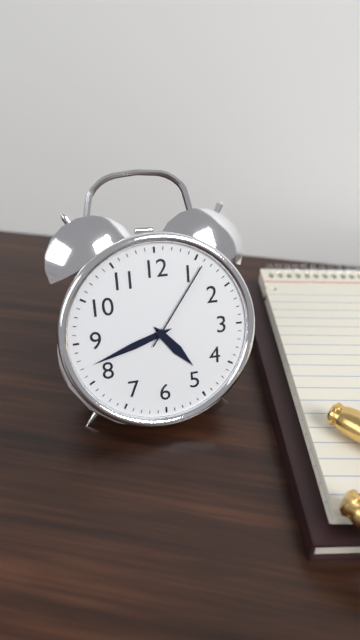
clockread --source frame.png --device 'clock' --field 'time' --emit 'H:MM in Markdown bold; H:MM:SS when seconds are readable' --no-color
**4:42:06**
